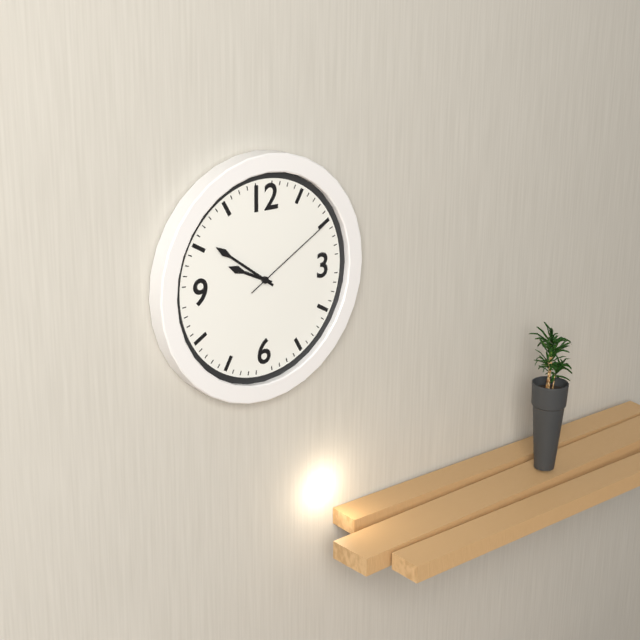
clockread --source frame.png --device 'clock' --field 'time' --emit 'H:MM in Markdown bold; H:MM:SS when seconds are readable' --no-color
**9:51:10**
